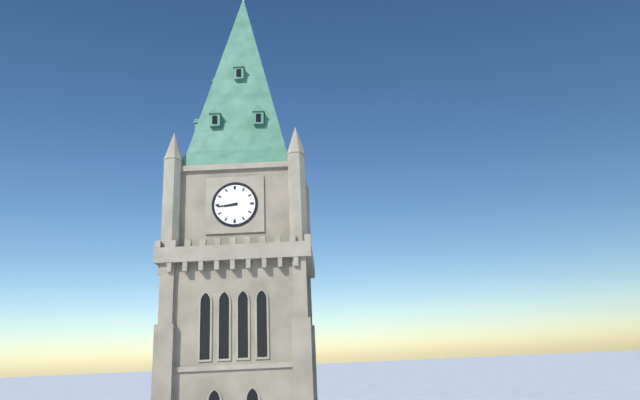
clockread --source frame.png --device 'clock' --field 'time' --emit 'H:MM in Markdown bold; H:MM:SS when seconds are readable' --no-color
**8:44**
